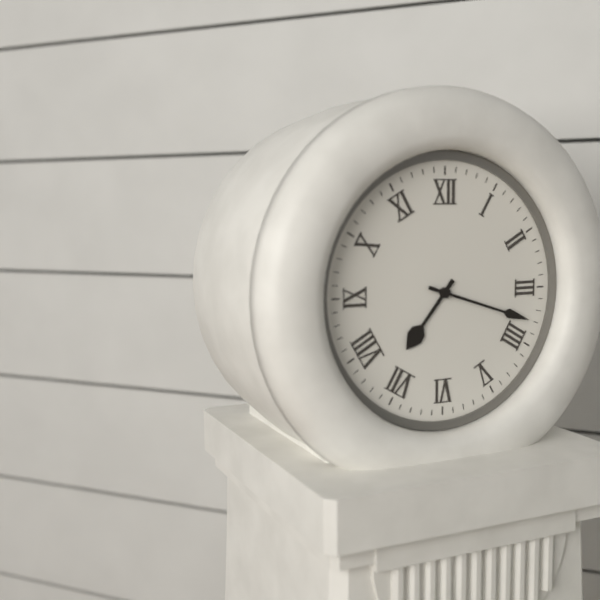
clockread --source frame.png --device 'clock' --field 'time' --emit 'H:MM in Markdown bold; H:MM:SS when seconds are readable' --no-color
**7:18**
